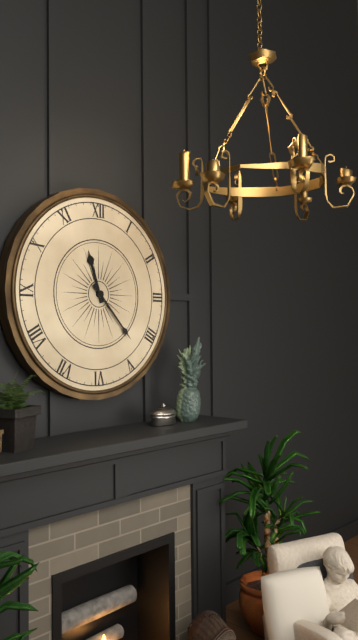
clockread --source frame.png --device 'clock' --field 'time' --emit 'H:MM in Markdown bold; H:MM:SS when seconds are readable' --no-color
**11:23**
